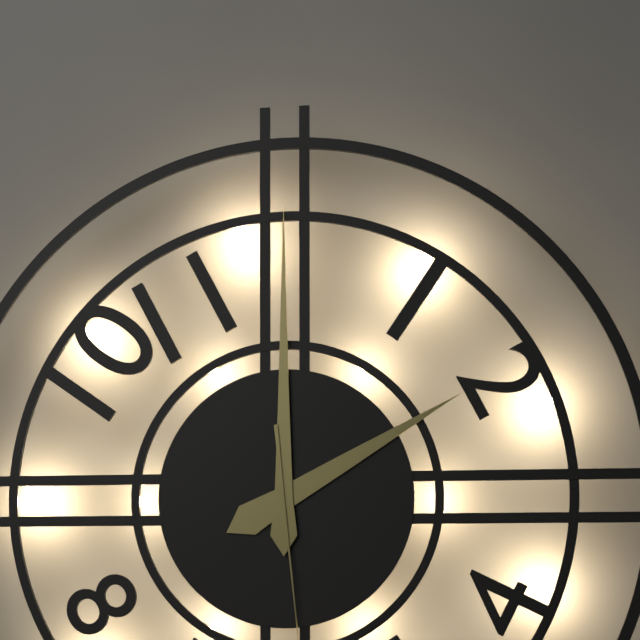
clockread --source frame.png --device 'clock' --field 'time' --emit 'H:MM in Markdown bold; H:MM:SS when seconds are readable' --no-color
**2:00**
